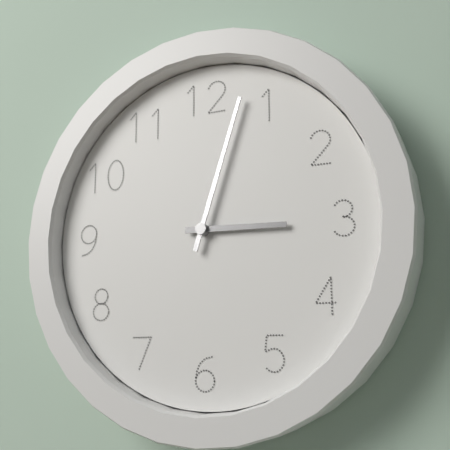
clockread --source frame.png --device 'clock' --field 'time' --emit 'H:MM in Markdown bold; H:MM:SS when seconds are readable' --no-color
**3:03**
